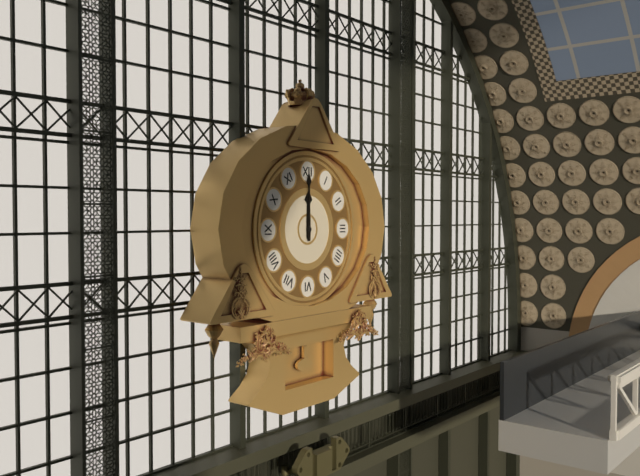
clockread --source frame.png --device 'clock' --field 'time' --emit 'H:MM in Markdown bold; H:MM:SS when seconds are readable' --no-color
**12:00**
